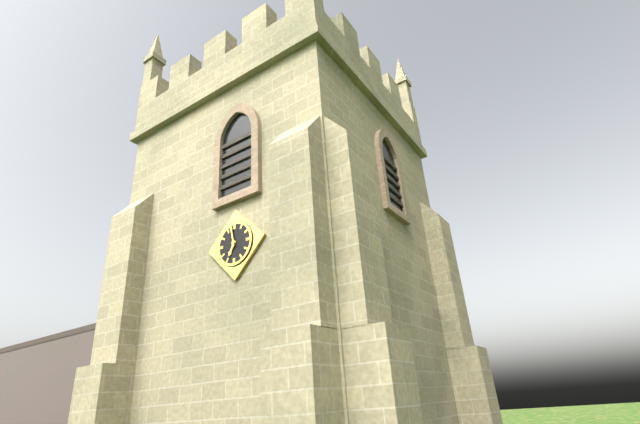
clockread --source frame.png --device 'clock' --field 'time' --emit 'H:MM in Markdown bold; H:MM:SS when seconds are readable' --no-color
**6:58**
